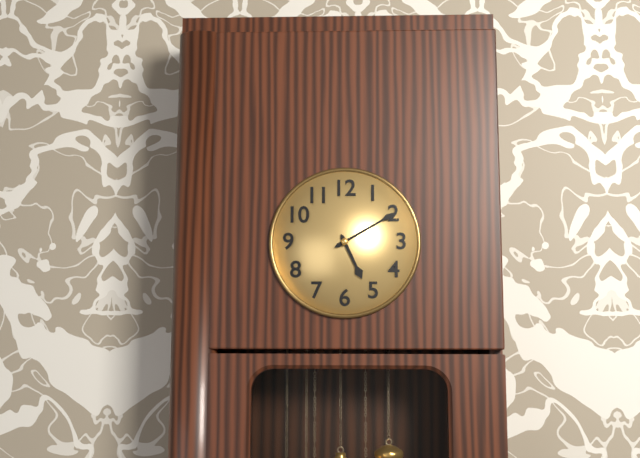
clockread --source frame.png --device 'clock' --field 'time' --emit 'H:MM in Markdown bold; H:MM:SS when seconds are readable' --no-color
**5:10**
